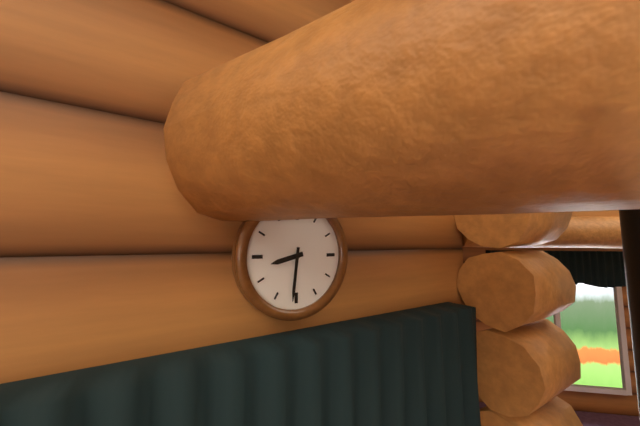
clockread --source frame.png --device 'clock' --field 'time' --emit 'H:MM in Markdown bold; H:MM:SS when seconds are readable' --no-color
**8:31**
